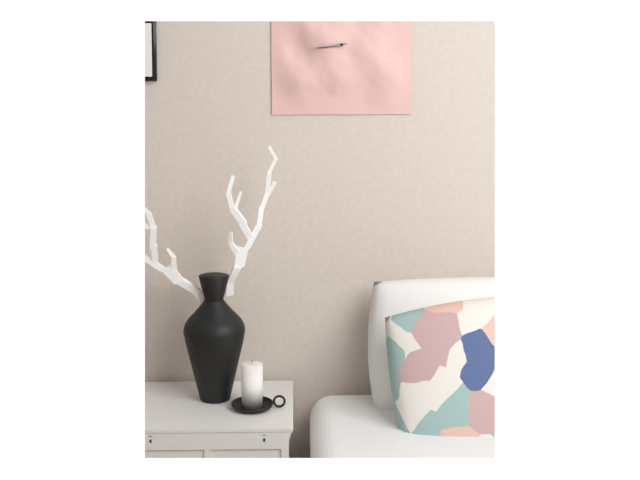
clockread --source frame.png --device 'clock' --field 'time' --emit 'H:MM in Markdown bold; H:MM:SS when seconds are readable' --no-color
**8:44**
